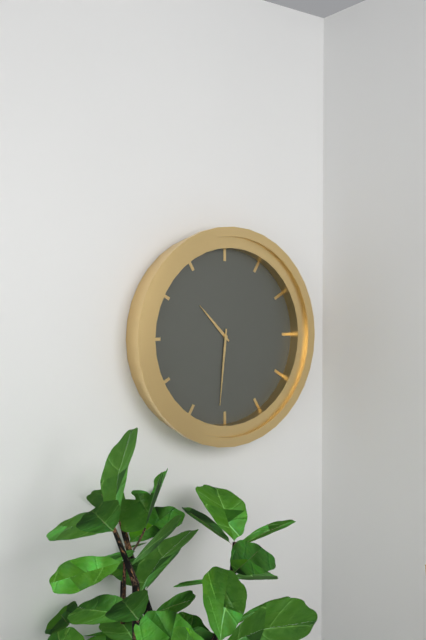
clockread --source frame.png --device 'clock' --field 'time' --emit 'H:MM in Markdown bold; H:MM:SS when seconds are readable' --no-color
**10:31**
